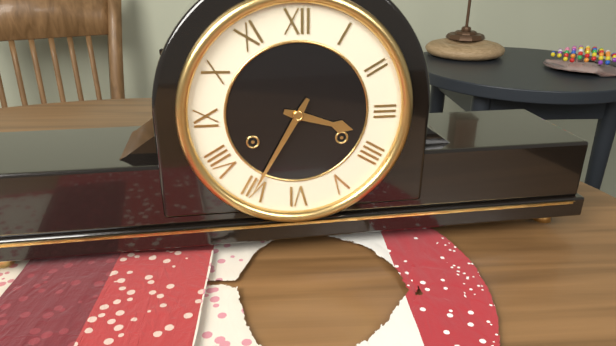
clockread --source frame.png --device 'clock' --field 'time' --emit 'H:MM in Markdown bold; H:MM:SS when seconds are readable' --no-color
**3:35**
